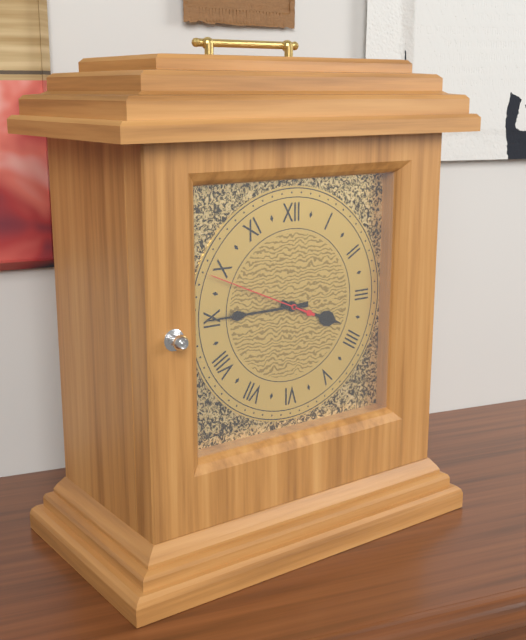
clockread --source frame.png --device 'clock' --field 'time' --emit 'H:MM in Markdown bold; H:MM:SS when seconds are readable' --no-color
**3:45:49**
